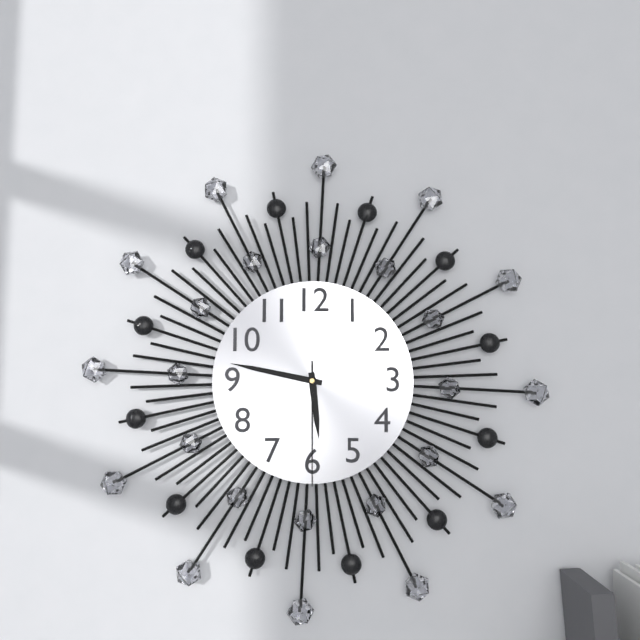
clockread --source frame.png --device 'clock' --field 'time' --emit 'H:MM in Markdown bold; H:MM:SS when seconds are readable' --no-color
**5:47:30**
